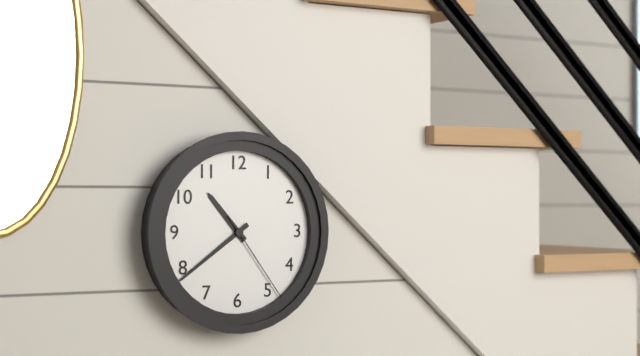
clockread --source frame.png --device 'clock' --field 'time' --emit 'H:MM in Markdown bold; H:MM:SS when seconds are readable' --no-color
**10:39:24**
